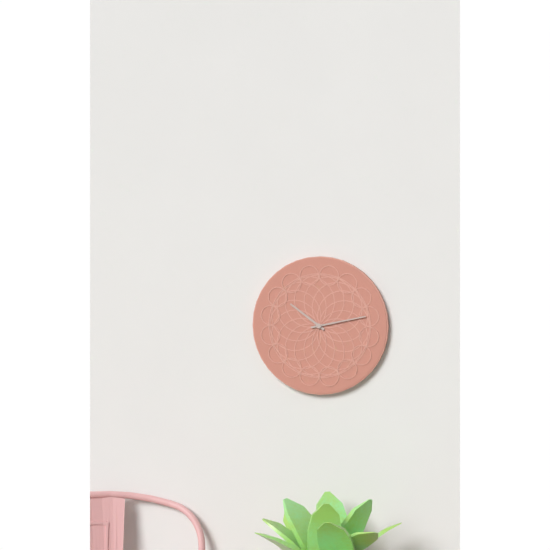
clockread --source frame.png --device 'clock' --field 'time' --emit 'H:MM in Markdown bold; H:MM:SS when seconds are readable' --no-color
**10:13**
